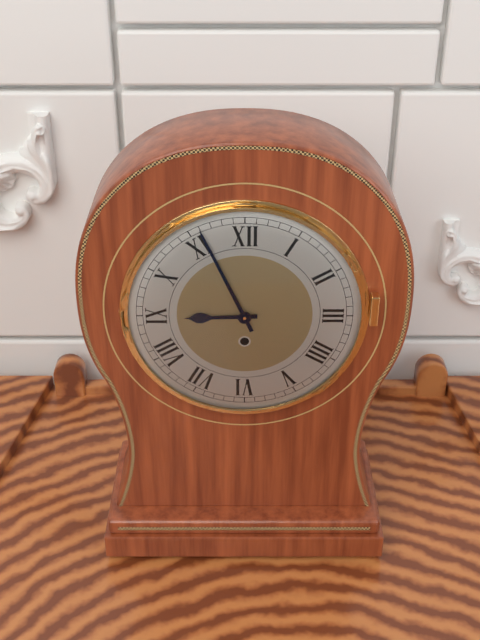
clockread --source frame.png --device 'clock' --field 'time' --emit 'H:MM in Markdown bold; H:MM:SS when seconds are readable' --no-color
**8:56**
